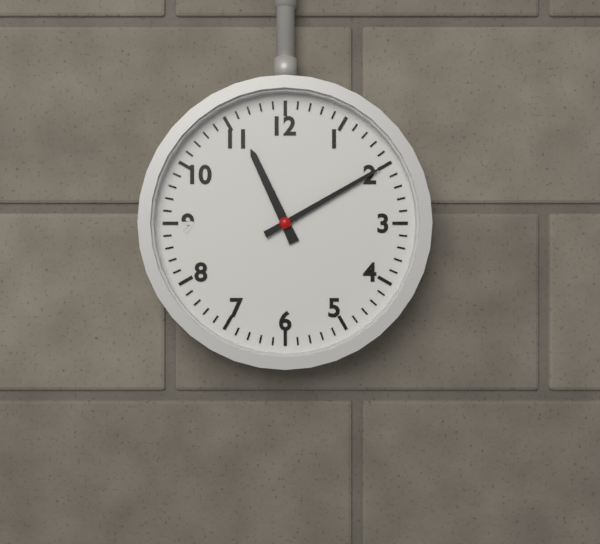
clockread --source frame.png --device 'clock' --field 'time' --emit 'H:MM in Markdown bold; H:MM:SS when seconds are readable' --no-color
**11:10**
